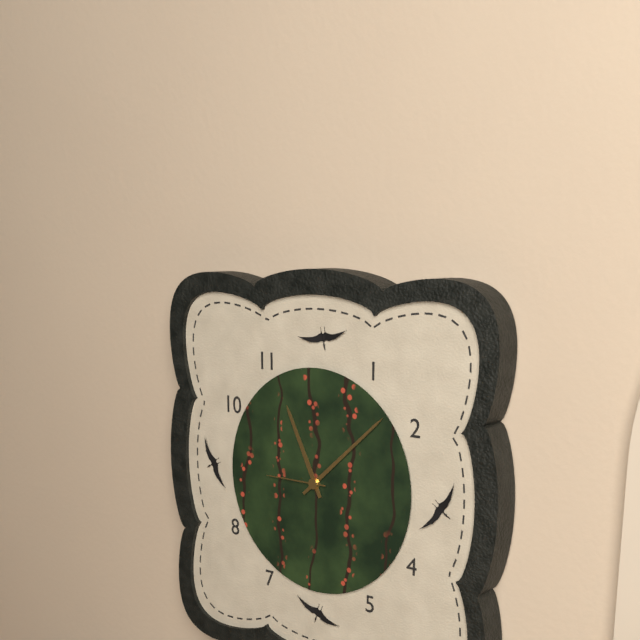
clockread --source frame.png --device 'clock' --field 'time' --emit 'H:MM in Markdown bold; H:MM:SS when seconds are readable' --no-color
**11:08:45**
